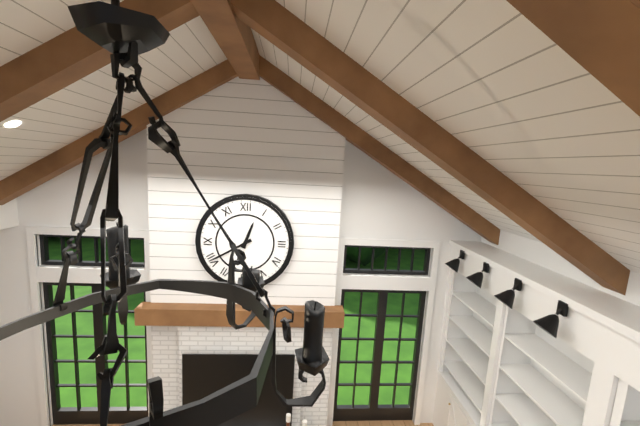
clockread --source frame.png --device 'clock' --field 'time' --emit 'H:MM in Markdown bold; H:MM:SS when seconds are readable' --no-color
**12:40**
